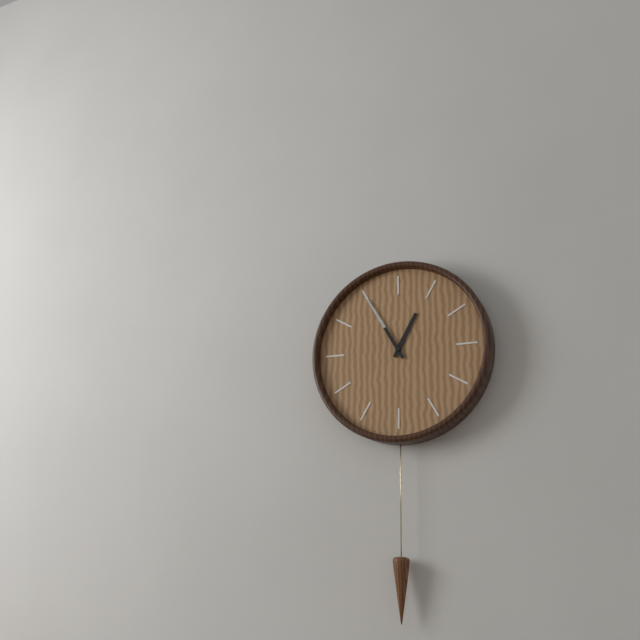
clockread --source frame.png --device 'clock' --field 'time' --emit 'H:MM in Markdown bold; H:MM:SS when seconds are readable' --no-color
**12:55**
